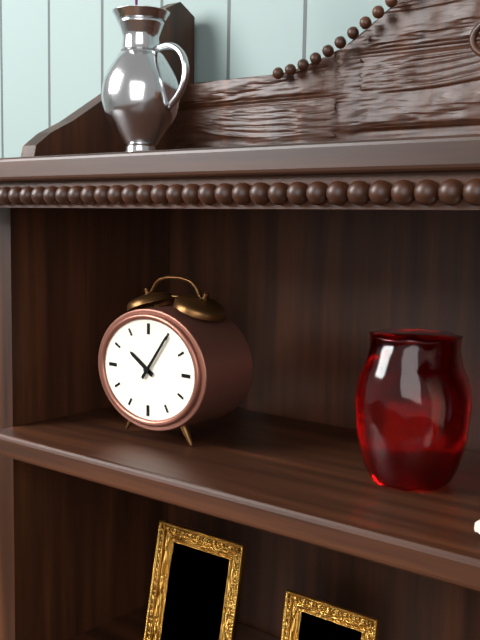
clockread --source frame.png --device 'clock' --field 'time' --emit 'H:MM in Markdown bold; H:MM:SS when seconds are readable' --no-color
**10:06**
